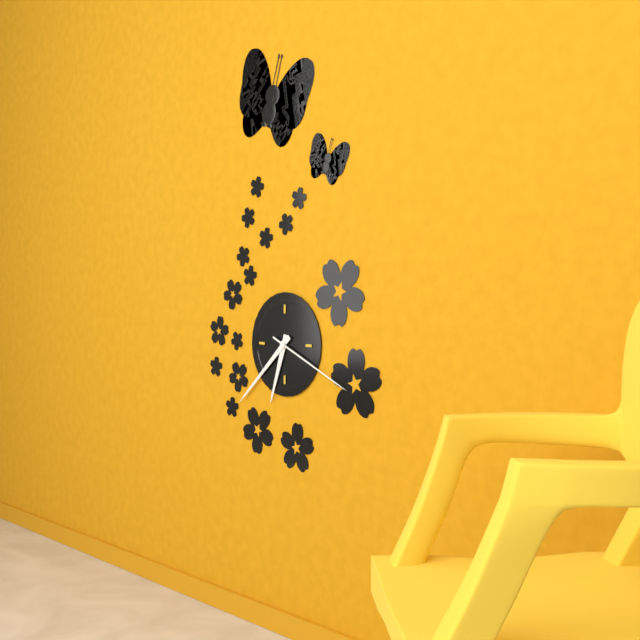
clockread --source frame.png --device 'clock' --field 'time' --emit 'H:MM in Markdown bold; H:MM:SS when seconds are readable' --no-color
**6:38:19**
